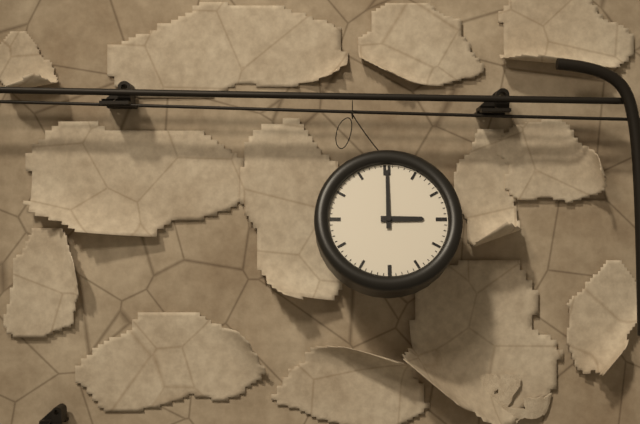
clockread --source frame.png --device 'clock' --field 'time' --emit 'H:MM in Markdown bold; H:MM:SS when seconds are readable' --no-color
**3:00**
